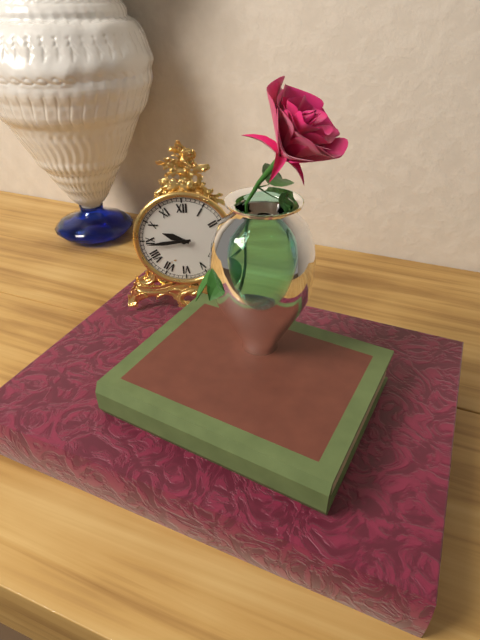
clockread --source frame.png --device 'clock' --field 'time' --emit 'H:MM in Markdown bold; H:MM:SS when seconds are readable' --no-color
**9:44**
